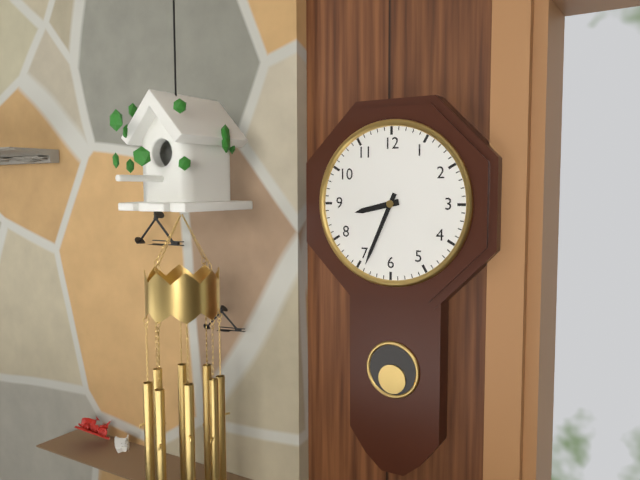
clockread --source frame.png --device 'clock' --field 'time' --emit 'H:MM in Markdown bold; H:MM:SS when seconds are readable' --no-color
**8:34**
